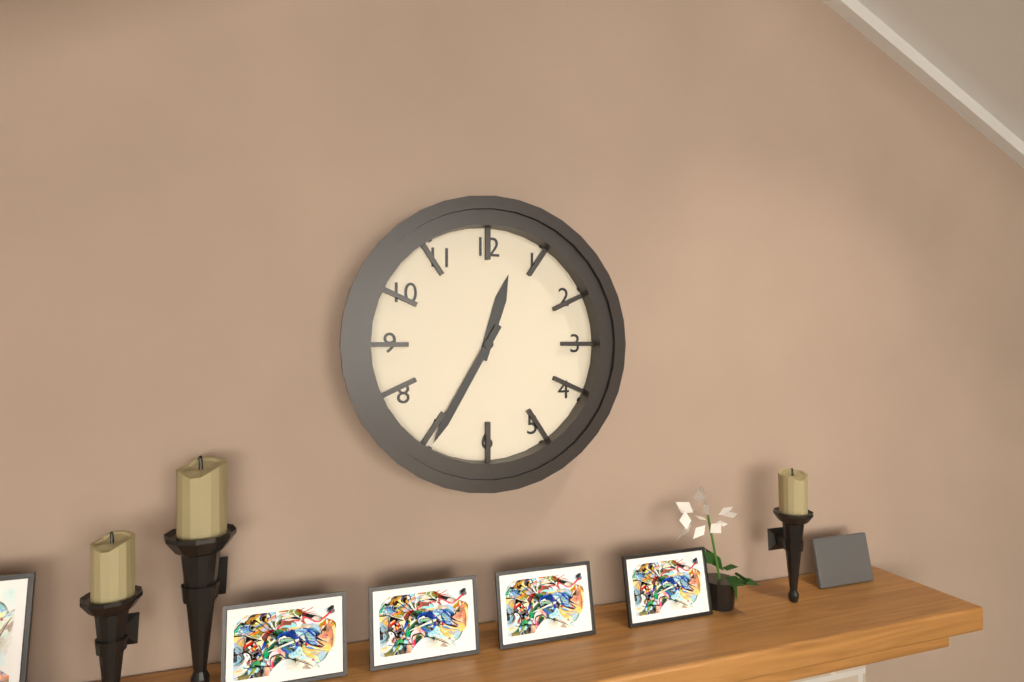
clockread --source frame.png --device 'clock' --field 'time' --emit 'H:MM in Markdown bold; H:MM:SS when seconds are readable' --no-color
**12:35**
